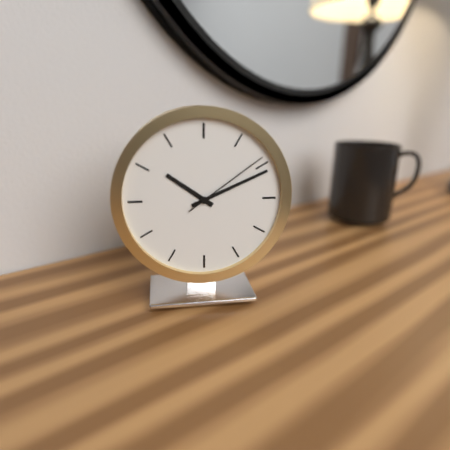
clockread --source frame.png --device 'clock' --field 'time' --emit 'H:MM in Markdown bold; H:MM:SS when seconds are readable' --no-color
**10:11:09**
